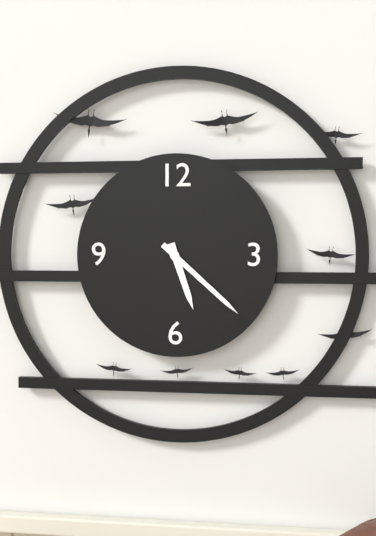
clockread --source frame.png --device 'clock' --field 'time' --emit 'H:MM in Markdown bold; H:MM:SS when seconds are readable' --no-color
**5:22**
